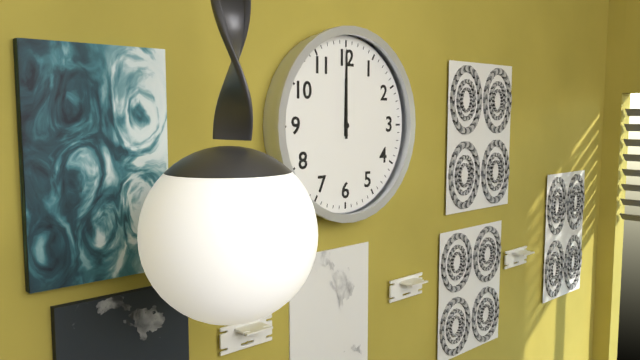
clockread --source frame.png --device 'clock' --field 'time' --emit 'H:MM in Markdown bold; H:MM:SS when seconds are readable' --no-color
**12:00**
